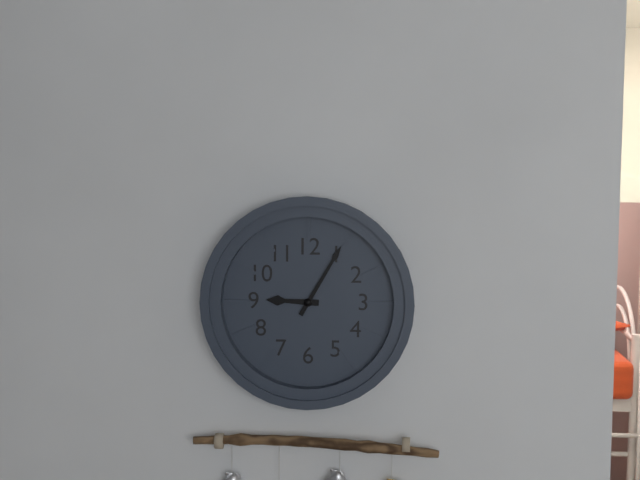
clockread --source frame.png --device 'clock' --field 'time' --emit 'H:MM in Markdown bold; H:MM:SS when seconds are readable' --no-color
**9:05**
